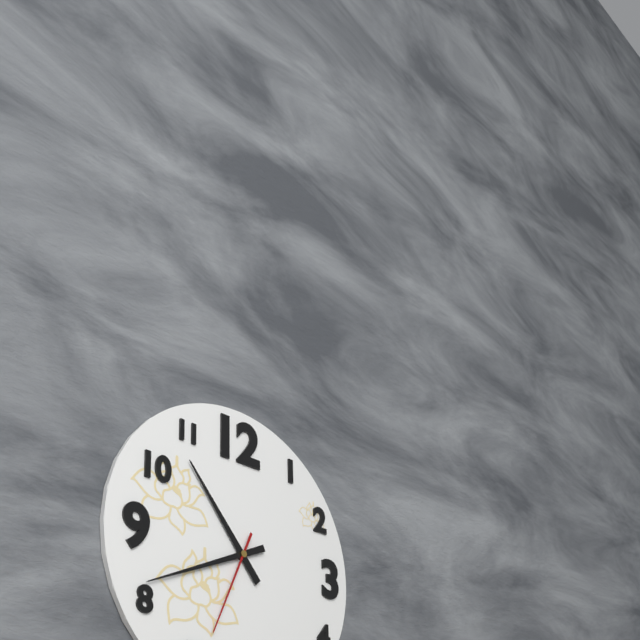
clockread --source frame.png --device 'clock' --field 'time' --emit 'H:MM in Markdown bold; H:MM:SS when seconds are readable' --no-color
**10:41:34**
